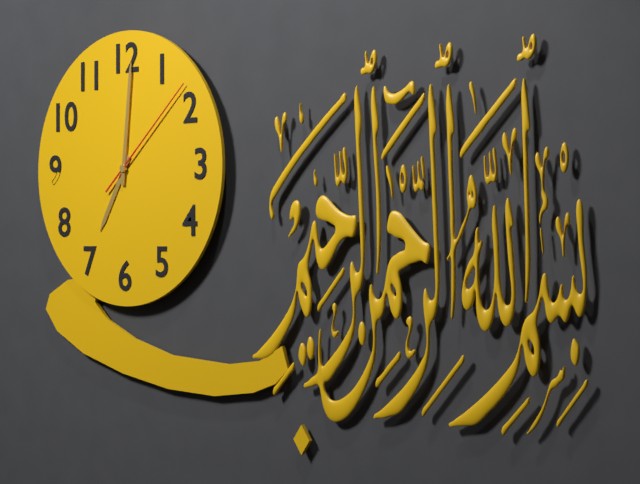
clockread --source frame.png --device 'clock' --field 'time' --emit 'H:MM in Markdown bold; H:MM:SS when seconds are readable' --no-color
**7:01:08**
